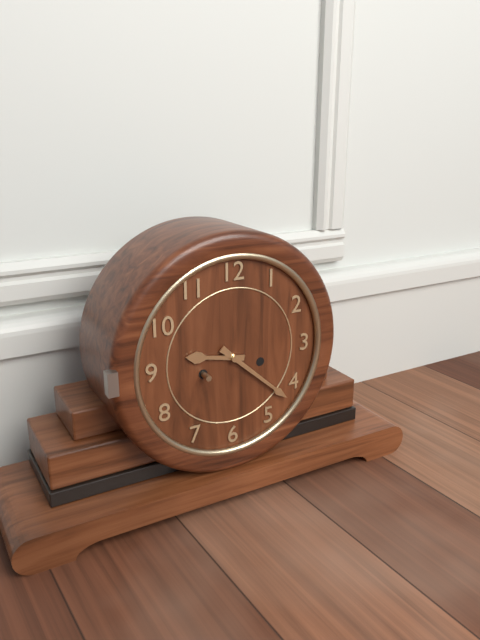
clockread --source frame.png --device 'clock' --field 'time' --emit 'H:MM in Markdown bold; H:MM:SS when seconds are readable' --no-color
**9:22**
